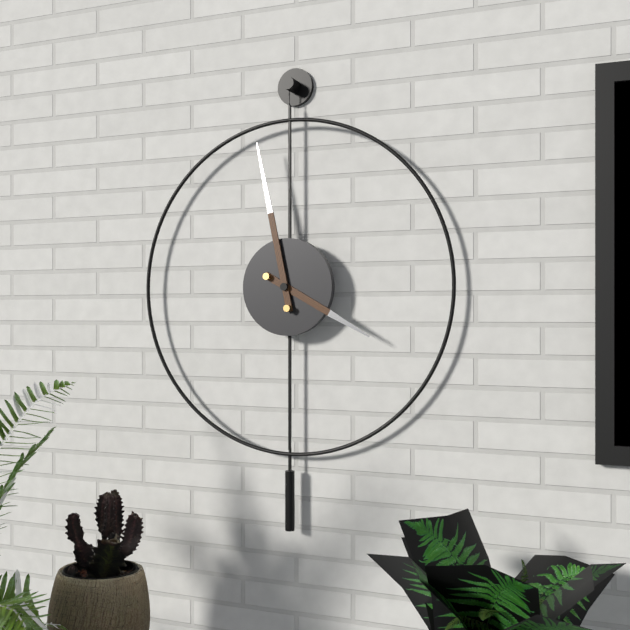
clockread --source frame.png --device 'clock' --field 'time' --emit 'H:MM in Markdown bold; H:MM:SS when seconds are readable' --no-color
**3:58**
